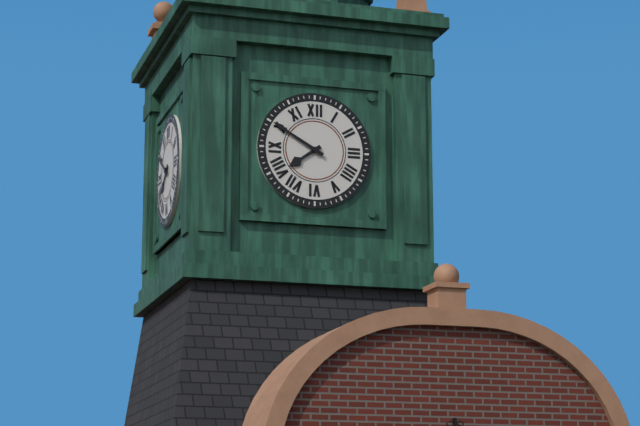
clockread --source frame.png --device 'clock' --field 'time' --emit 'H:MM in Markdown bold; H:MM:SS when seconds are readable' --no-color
**7:50**
